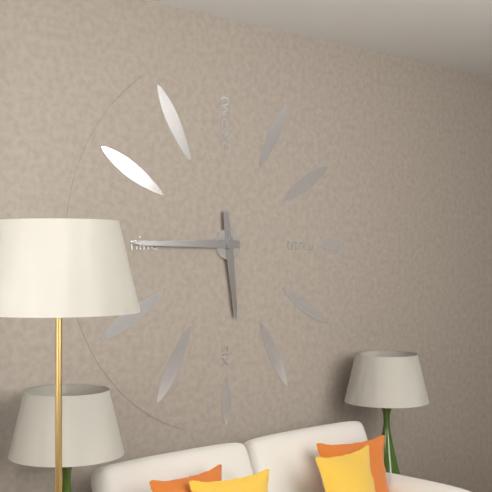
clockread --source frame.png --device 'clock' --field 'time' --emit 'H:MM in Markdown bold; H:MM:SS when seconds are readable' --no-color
**5:45**
